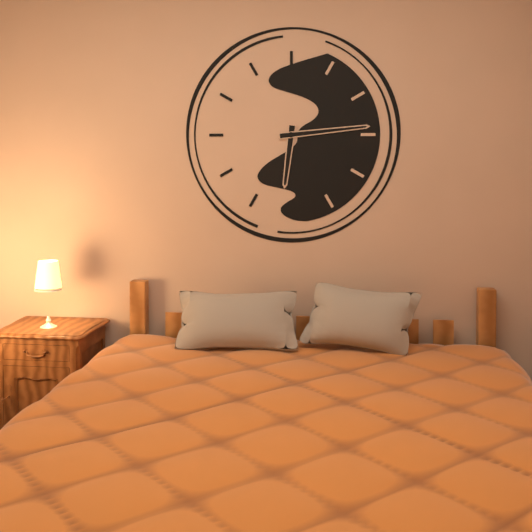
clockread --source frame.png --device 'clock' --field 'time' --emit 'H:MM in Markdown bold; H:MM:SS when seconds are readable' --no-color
**6:14**
